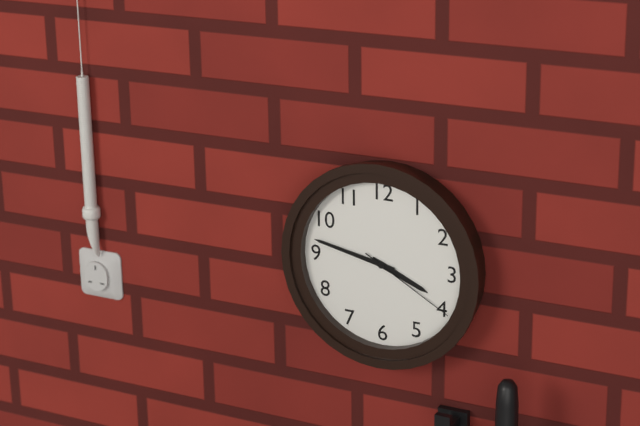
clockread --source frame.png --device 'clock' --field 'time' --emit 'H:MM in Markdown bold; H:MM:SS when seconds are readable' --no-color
**3:47:20**
